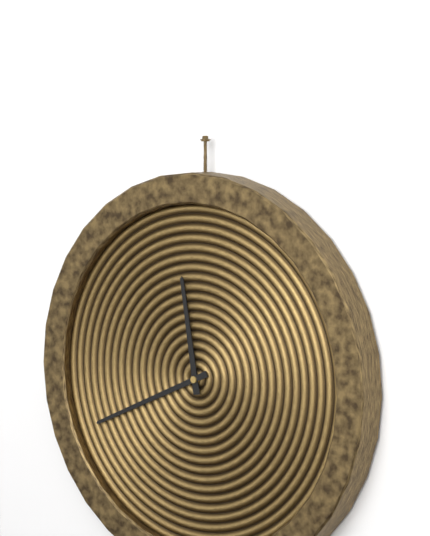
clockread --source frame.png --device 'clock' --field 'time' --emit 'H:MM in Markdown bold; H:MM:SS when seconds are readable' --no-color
**11:41**
